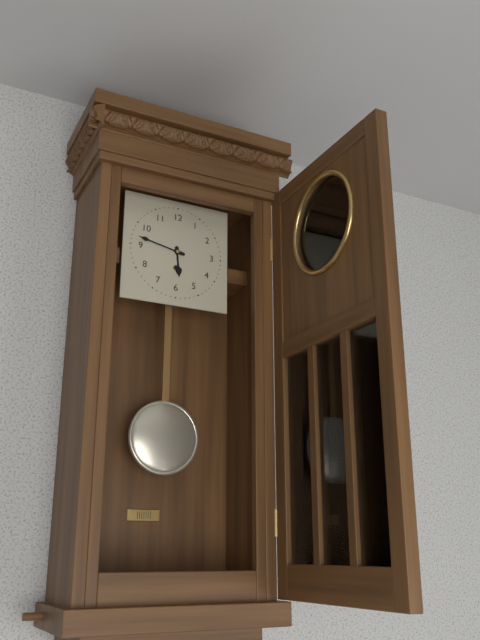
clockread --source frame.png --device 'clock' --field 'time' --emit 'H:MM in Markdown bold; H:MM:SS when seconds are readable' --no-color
**5:47**
